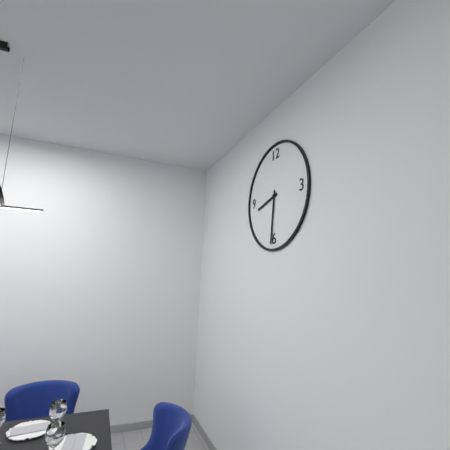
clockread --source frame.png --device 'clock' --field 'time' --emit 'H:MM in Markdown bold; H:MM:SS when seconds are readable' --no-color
**8:31**
